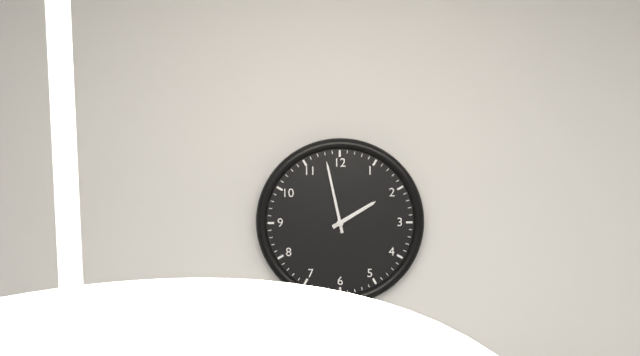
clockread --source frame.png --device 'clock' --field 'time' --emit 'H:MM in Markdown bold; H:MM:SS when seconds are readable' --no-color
**1:58**
